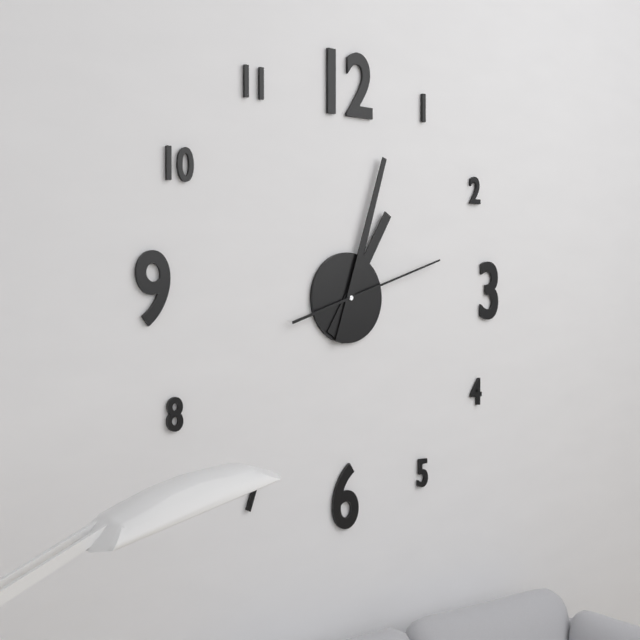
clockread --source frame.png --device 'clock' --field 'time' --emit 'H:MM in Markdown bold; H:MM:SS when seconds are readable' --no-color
**1:03:12**
